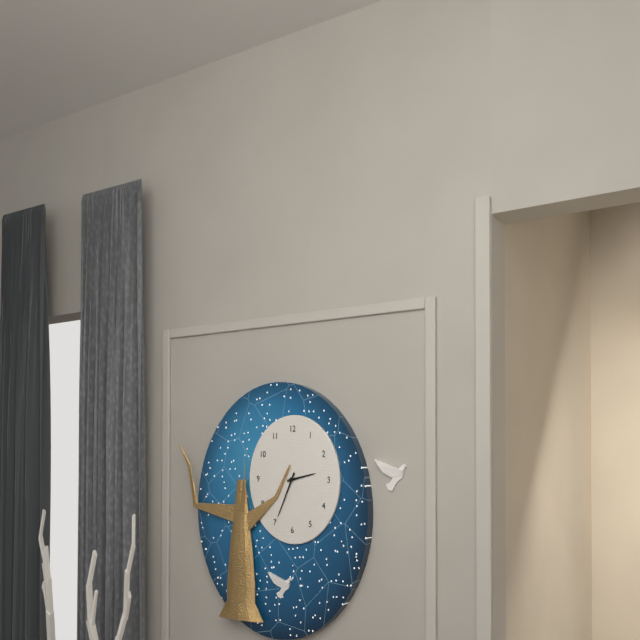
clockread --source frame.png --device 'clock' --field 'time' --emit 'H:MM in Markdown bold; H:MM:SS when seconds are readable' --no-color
**2:34**
